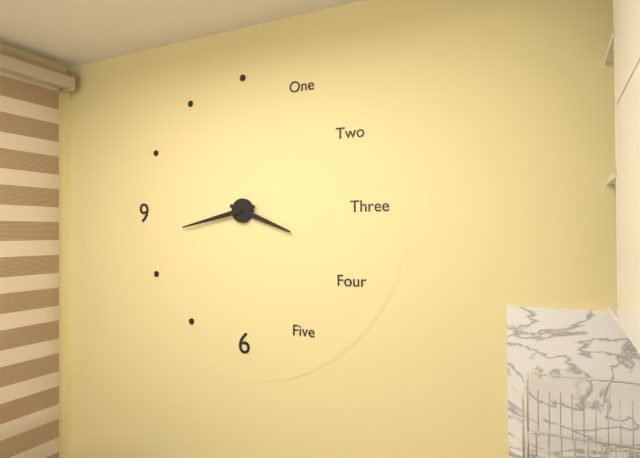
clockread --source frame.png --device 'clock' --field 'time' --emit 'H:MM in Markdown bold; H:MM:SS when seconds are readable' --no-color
**3:43**
